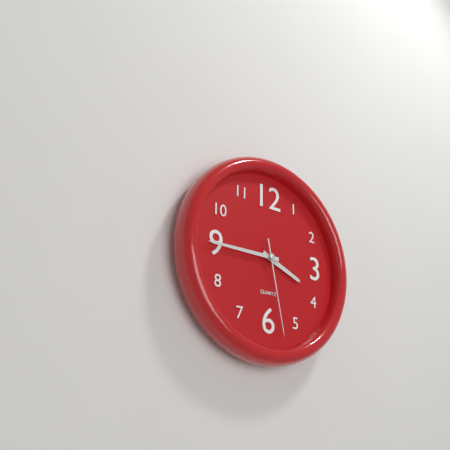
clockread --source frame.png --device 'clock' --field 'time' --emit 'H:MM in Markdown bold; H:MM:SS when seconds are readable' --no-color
**3:45:28**
